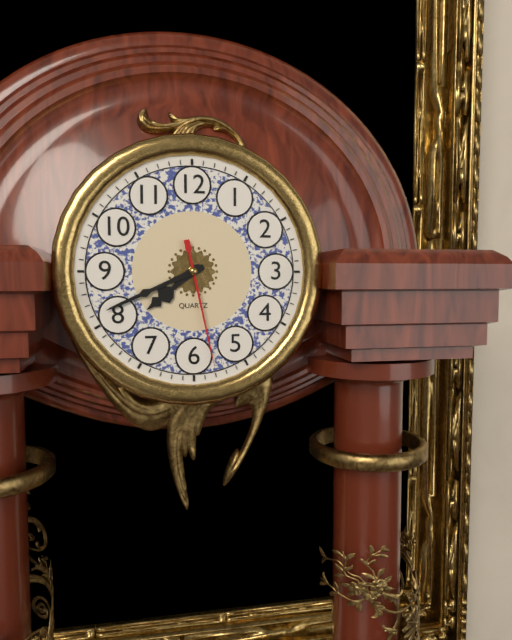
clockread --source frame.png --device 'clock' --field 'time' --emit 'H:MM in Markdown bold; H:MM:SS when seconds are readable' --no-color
**7:41:28**
